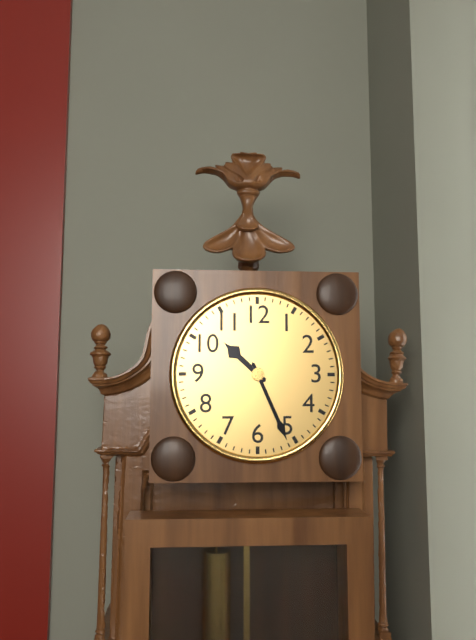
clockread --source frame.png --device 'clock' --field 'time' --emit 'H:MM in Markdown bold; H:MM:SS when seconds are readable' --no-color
**10:26**
